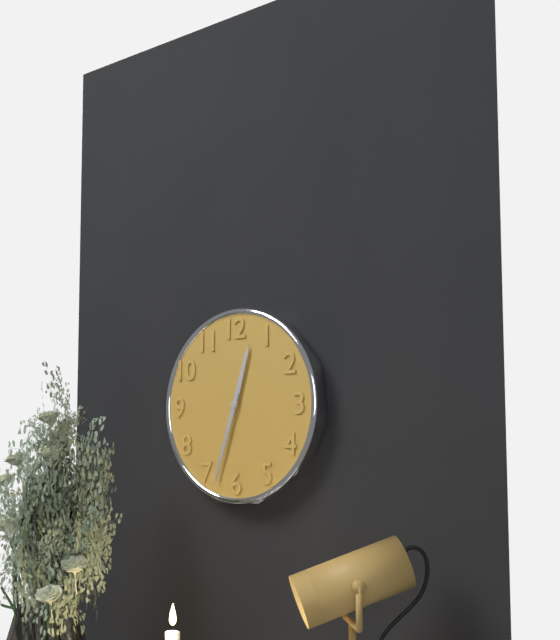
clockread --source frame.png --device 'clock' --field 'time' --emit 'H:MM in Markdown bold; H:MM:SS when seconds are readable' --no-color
**12:33**
